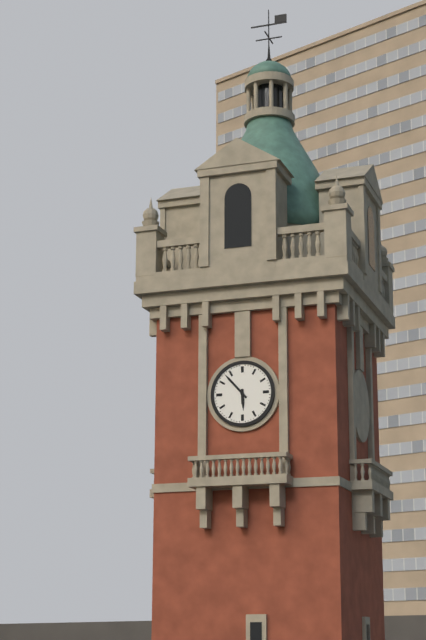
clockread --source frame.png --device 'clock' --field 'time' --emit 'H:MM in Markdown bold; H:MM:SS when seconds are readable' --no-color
**5:53**
